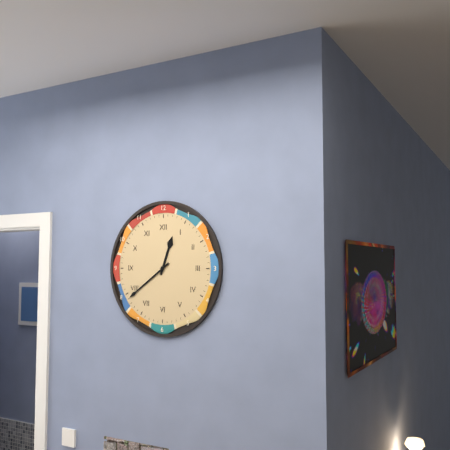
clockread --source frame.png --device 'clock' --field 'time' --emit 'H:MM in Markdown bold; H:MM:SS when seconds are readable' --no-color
**12:39**
